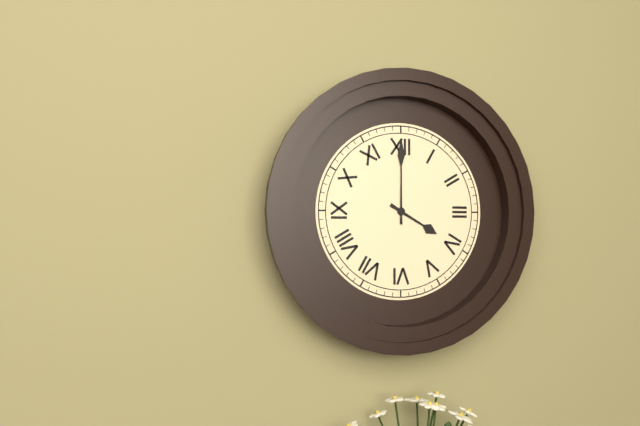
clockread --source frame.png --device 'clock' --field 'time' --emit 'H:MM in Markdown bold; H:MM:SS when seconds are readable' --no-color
**4:00**
